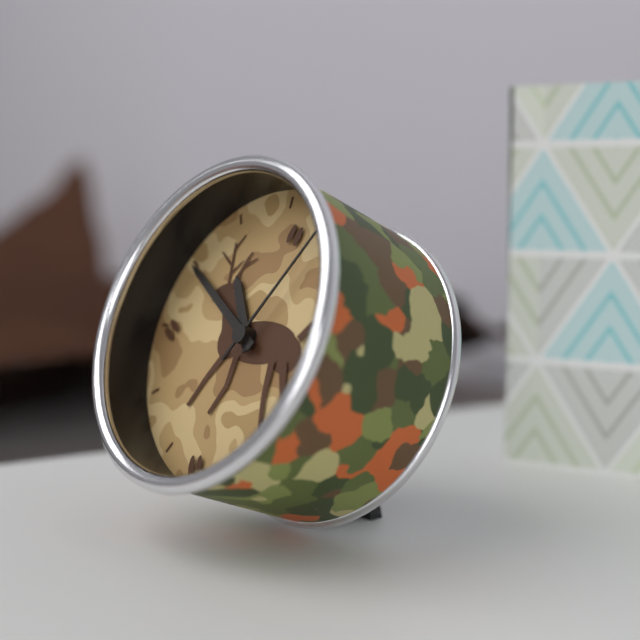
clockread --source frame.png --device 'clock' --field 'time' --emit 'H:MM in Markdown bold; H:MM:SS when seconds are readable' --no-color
**10:50:05**
